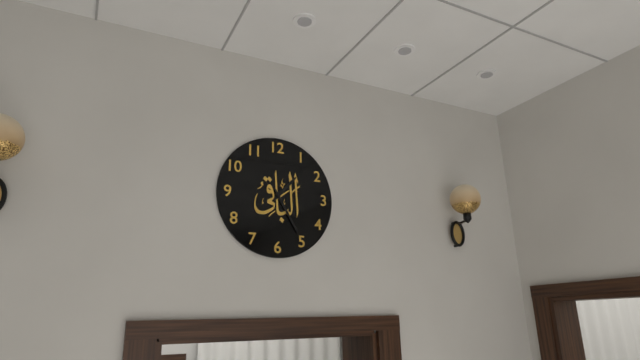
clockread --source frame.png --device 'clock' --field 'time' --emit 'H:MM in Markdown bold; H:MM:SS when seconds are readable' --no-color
**1:25**
